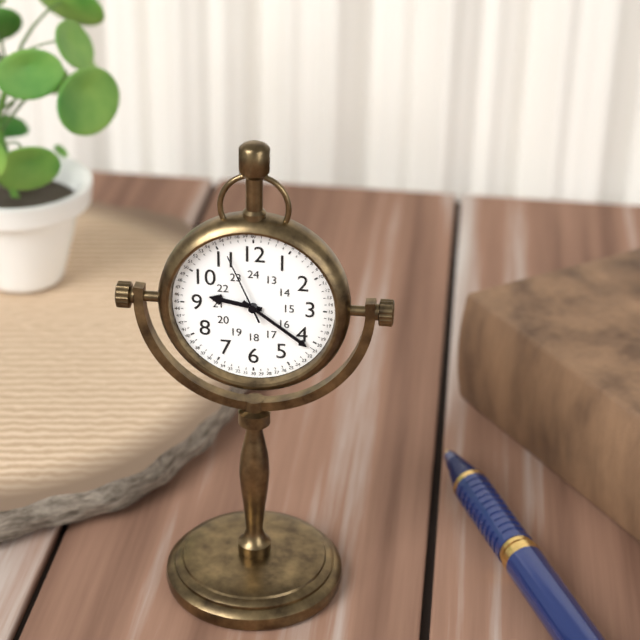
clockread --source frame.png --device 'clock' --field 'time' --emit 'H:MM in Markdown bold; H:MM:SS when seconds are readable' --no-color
**9:21:56**
